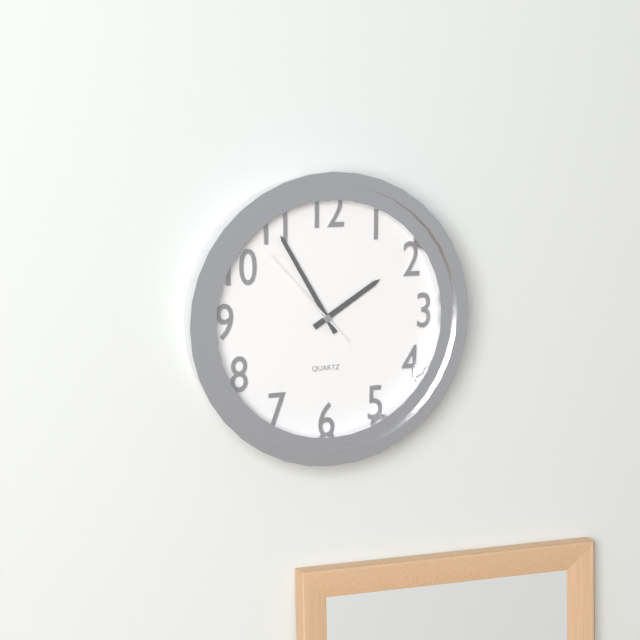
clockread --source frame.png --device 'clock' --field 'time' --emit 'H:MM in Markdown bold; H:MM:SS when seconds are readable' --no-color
**1:55:53**
